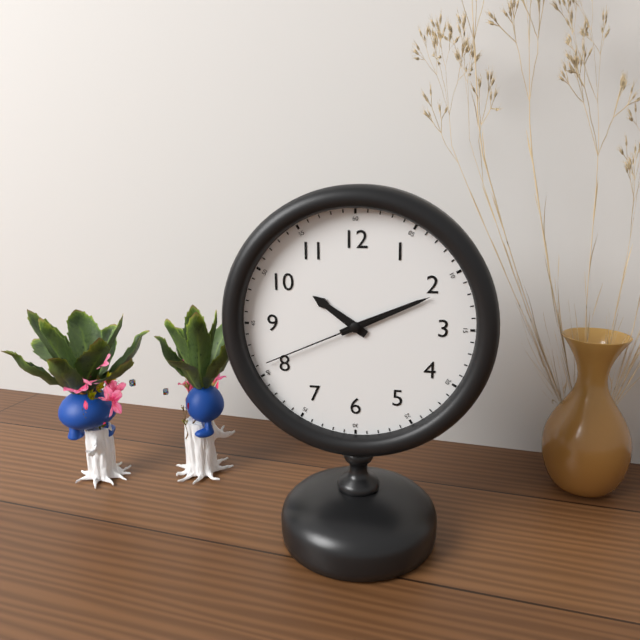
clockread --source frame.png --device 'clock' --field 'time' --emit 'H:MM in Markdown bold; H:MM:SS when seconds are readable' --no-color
**10:11:41**
